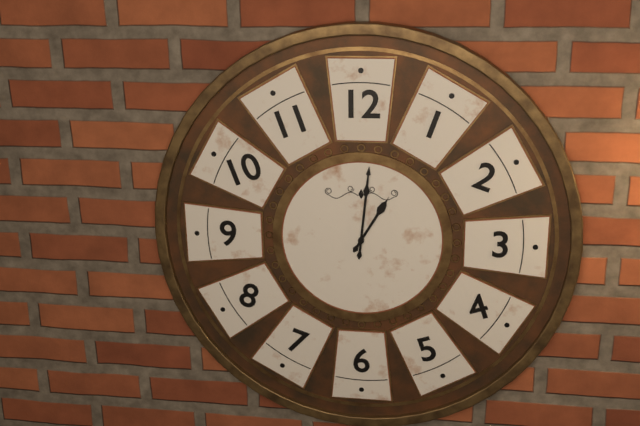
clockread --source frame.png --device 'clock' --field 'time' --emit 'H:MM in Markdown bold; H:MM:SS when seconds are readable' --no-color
**1:01**
